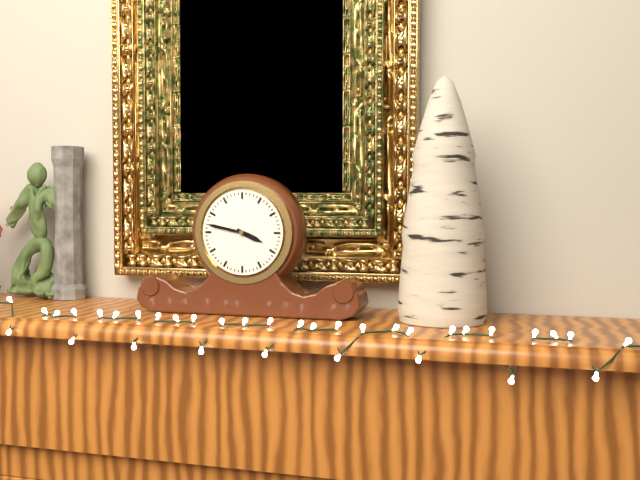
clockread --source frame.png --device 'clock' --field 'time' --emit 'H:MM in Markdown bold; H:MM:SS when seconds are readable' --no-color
**3:47**
